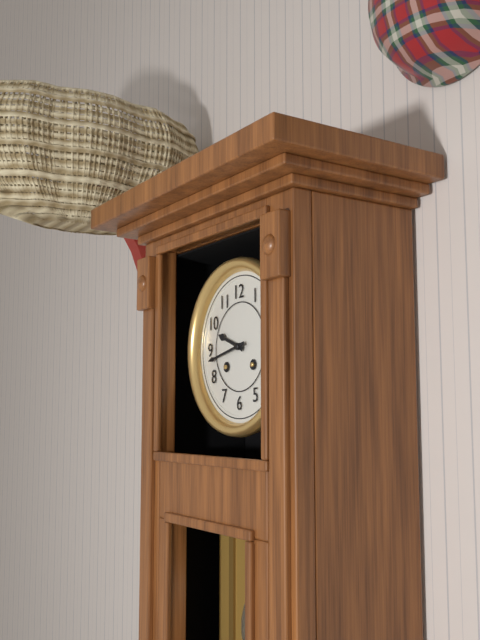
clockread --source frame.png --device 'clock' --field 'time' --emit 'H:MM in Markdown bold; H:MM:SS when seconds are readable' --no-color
**9:43**
